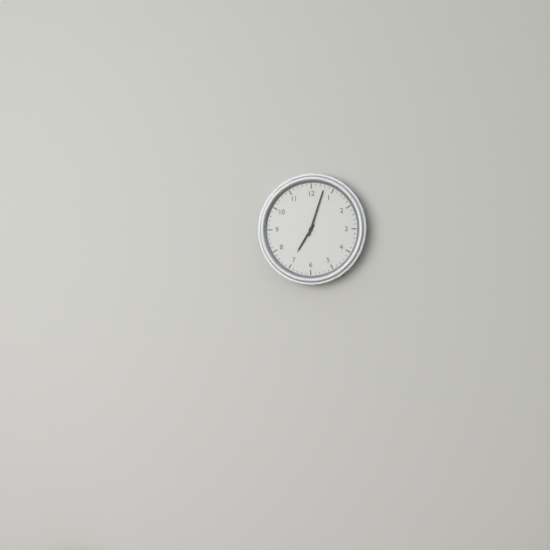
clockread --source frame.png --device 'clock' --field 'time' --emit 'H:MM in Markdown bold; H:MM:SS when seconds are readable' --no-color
**7:03**
